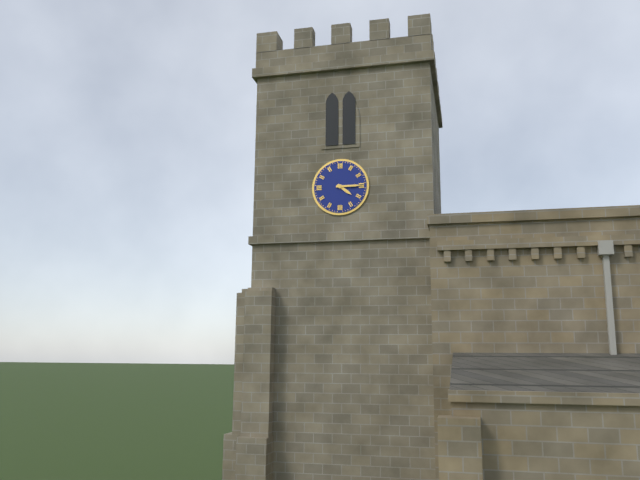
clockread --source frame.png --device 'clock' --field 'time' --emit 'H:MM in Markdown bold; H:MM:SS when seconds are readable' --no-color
**4:15**
